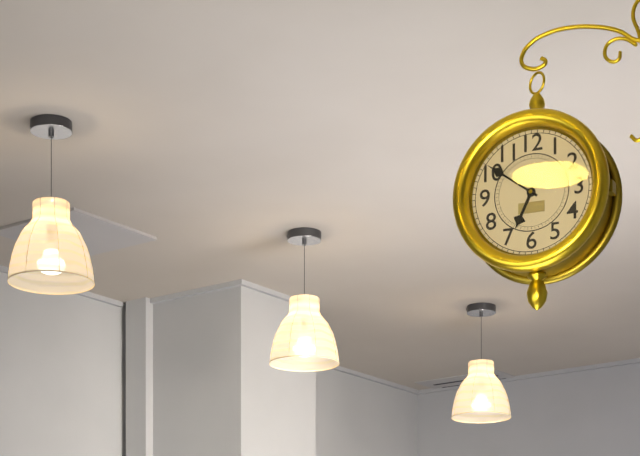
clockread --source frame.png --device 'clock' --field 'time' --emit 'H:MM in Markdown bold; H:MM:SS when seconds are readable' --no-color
**6:51**
